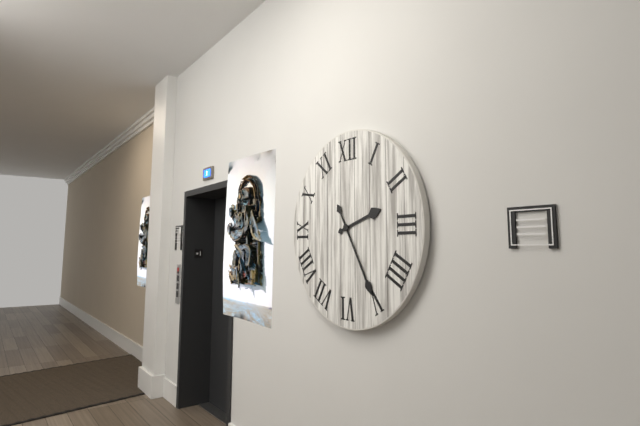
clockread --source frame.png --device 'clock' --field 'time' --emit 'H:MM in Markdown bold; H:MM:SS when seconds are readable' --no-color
**2:25**
